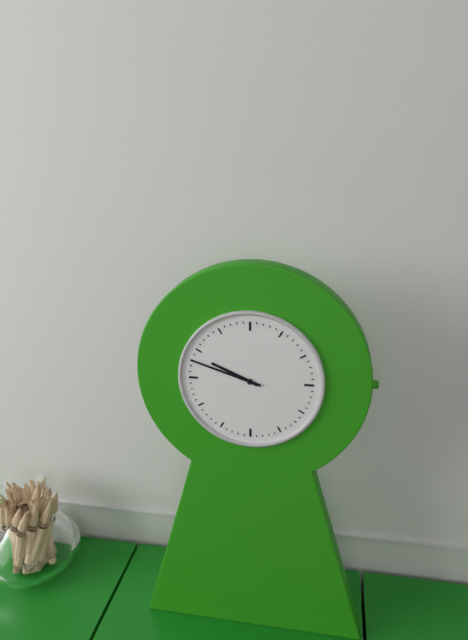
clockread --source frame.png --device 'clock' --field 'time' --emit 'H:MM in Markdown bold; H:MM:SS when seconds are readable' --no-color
**9:48**
